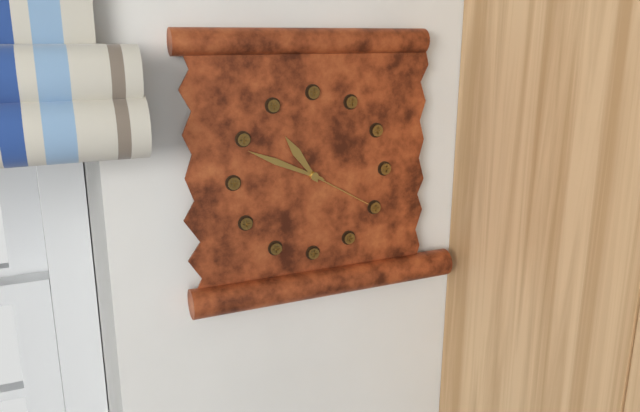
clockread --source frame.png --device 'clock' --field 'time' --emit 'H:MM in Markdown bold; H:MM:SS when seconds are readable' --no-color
**10:49:20**
